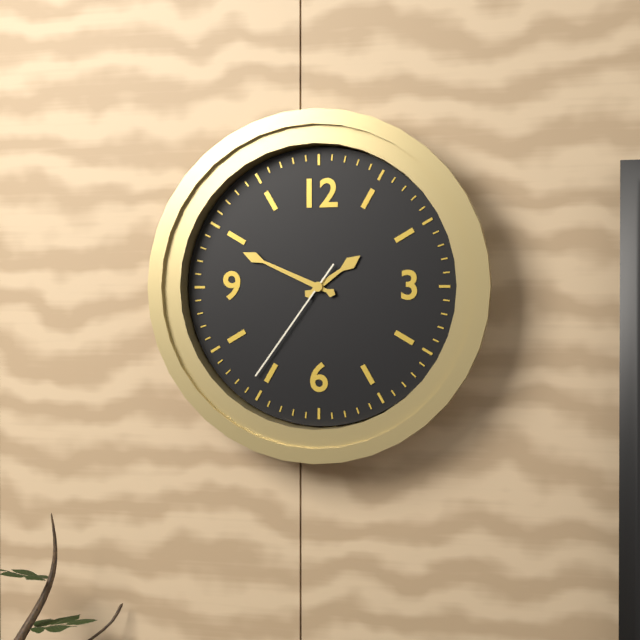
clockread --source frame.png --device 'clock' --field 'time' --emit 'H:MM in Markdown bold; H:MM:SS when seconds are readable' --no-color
**1:49:36**
